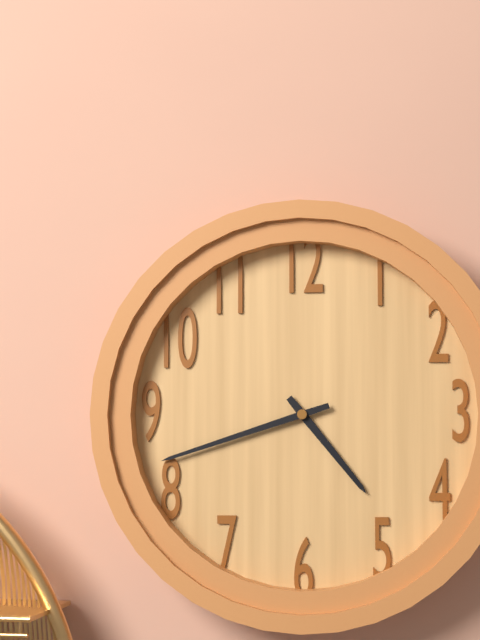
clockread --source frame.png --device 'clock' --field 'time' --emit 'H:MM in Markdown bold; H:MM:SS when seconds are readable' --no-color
**4:42**
